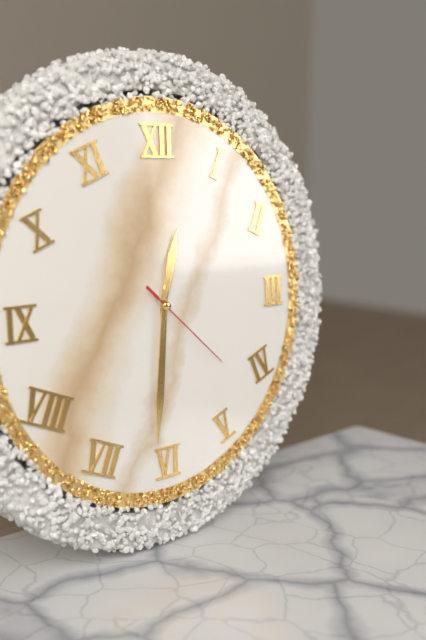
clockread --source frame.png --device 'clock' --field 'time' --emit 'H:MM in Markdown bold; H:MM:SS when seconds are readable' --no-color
**12:31:22**
